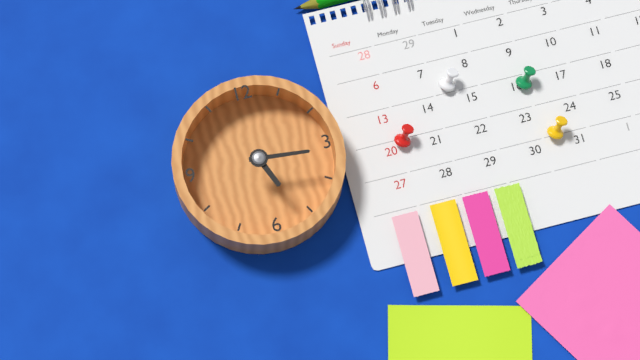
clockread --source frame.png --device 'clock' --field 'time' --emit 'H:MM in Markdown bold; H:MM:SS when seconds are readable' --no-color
**5:16**
